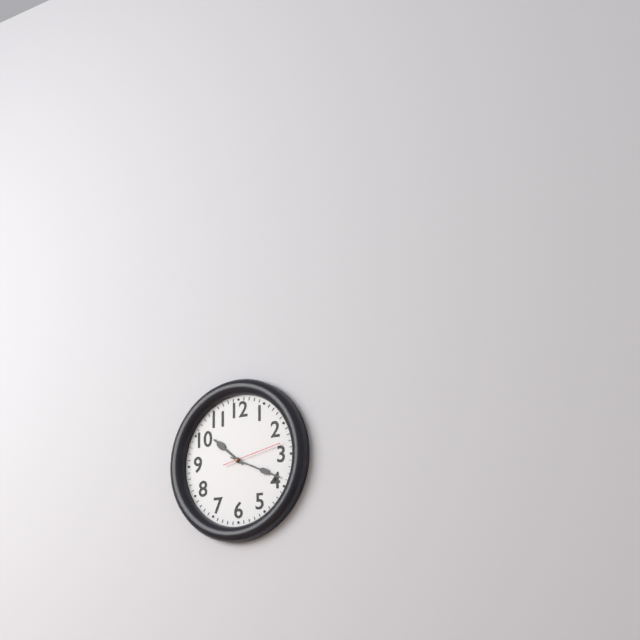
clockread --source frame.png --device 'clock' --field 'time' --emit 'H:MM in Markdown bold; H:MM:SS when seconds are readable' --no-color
**10:19:13**
